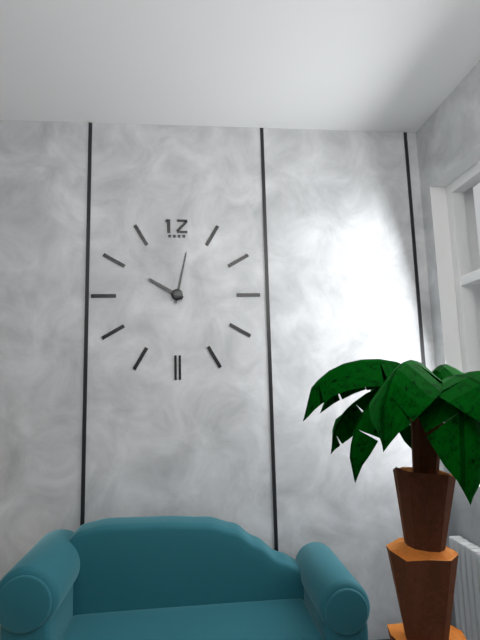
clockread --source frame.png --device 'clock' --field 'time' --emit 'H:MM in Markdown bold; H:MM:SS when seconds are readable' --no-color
**10:02**
